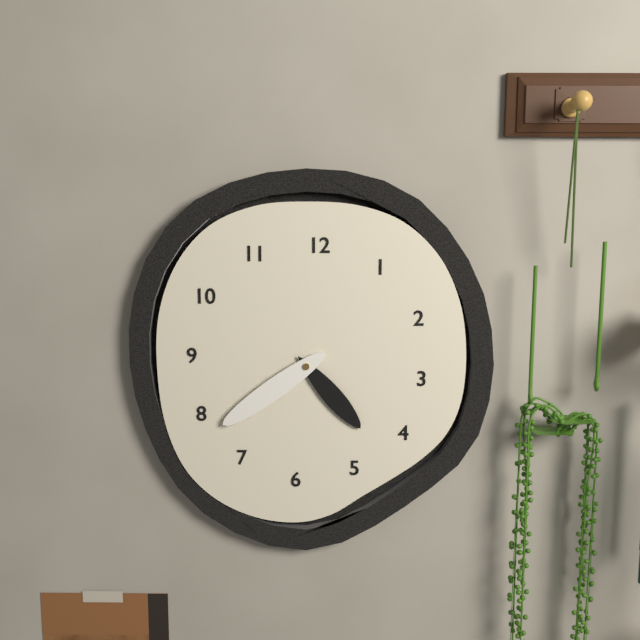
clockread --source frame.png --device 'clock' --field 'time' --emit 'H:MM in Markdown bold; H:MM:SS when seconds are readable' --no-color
**4:39**
